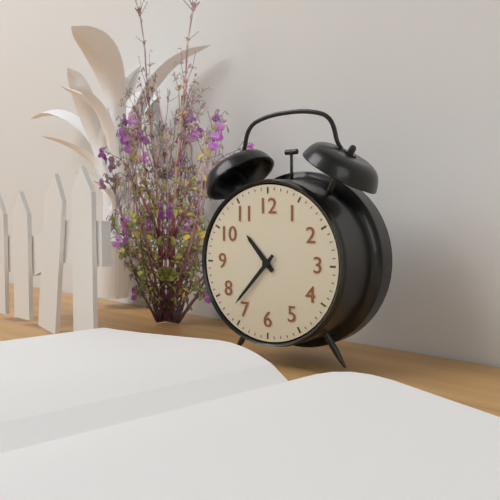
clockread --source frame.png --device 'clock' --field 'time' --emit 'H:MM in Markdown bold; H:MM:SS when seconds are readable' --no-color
**10:37**
